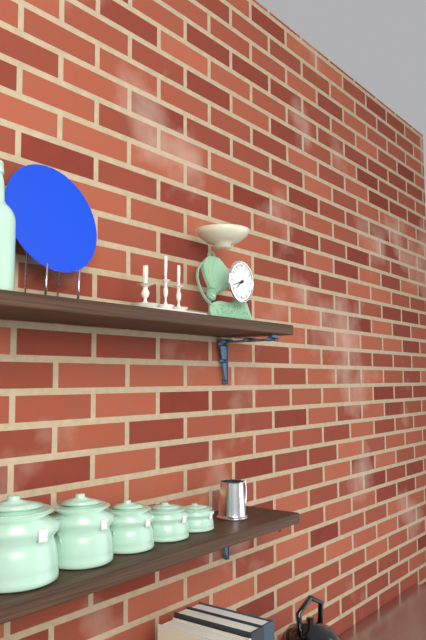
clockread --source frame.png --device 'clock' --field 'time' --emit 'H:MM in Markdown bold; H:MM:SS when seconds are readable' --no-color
**7:42**
